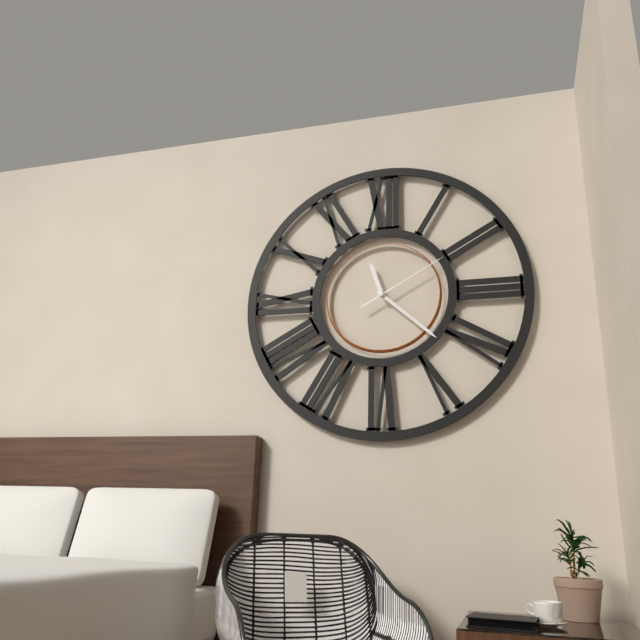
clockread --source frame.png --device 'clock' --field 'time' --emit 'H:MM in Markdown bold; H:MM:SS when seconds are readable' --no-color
**11:22:10**
